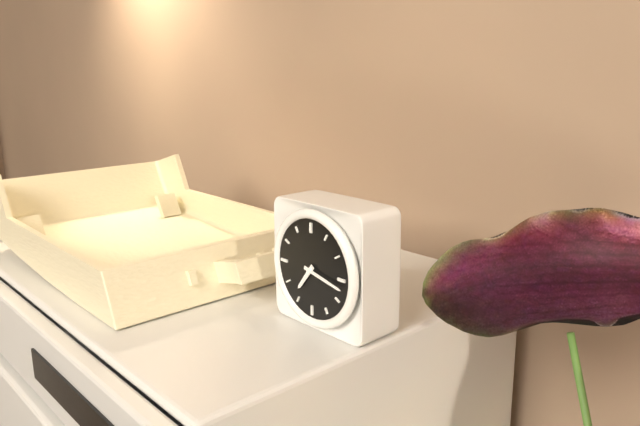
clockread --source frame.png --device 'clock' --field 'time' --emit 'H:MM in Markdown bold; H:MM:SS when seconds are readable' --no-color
**7:17**
